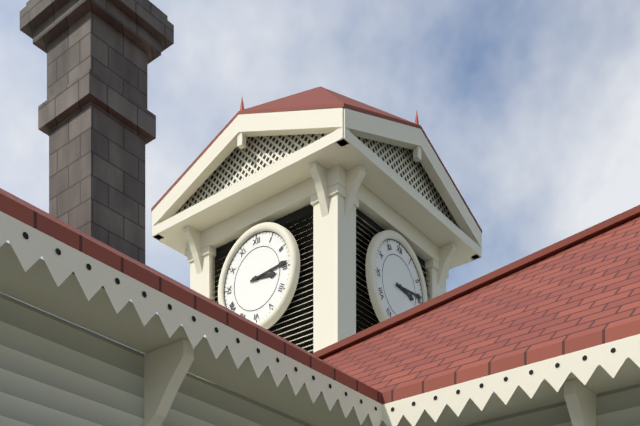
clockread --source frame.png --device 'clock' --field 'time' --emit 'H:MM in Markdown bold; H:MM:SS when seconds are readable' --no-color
**3:14**
